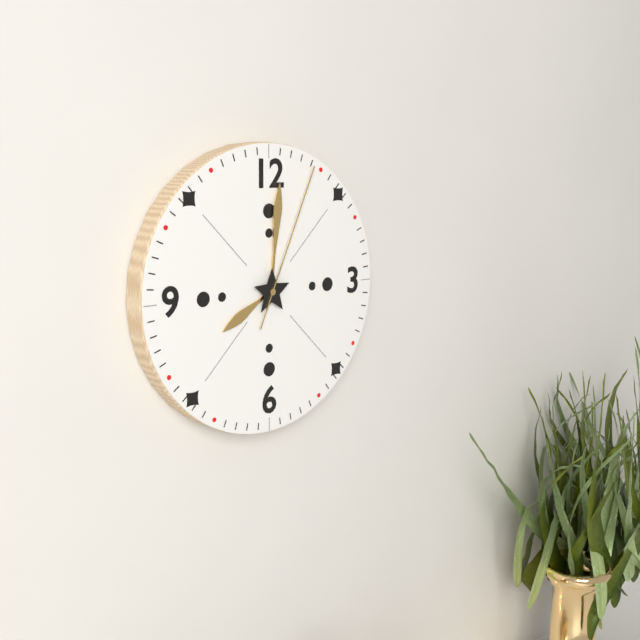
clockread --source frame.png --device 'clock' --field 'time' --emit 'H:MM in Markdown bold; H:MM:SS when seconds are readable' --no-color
**8:01:04**
